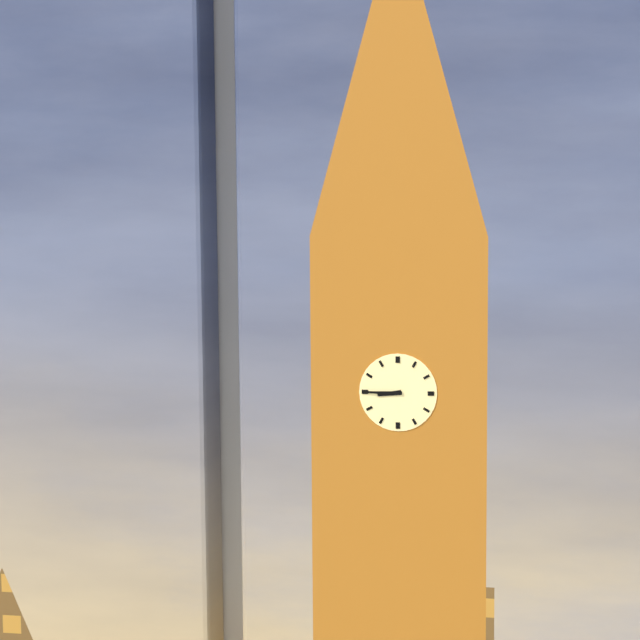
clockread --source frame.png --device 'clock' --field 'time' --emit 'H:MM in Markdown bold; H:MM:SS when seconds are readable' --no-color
**8:45**
